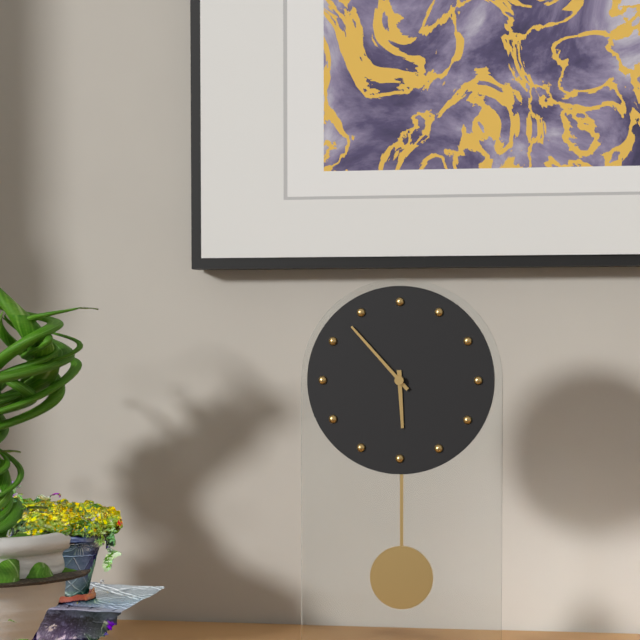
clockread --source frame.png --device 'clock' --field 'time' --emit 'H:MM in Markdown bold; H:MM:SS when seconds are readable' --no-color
**5:53**
